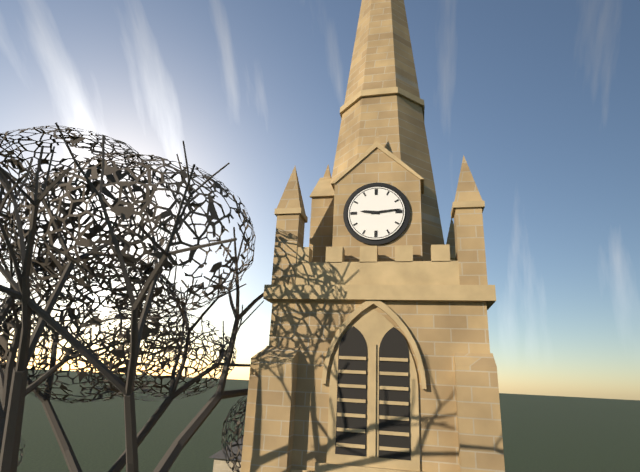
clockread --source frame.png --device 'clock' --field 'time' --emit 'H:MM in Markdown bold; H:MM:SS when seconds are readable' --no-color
**9:14**
